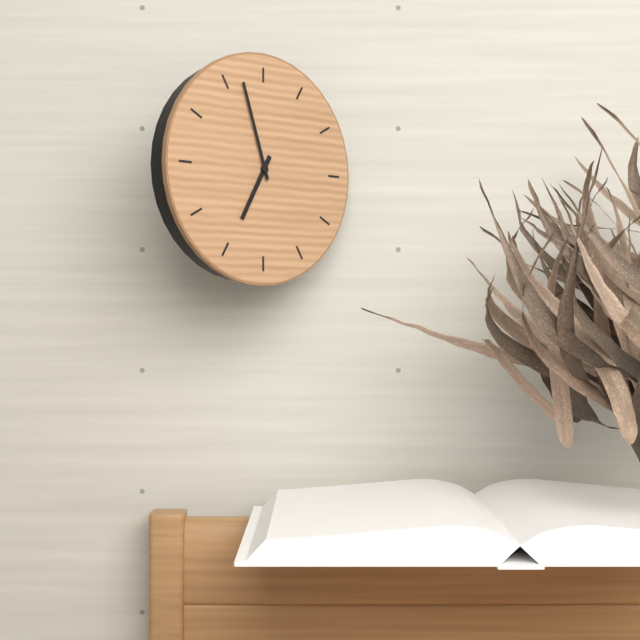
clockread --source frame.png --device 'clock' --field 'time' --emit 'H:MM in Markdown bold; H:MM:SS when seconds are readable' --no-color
**6:57**
